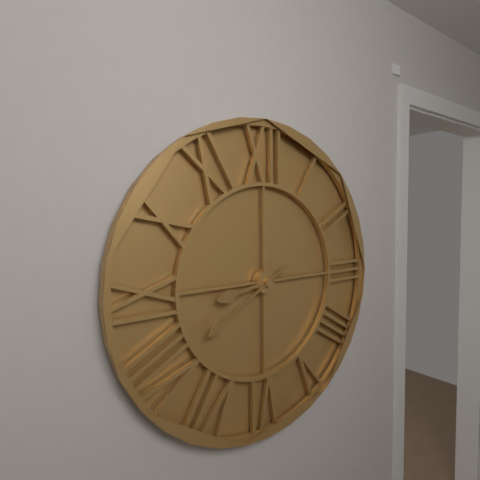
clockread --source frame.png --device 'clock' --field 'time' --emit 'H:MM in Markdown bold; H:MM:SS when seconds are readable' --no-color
**8:40**
